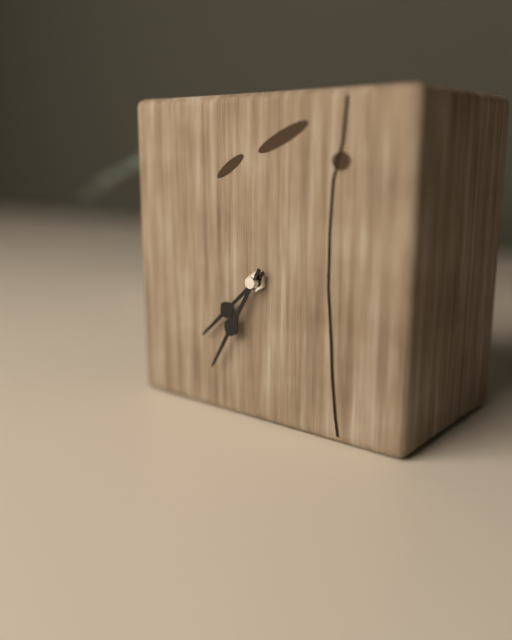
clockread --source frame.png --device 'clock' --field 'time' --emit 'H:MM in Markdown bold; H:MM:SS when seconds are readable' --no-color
**7:35**
